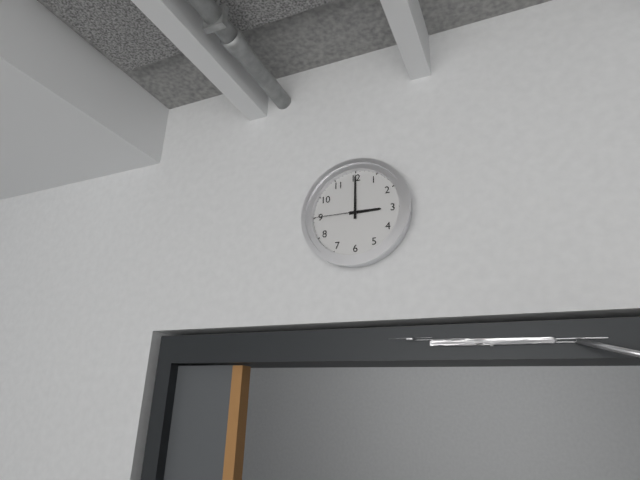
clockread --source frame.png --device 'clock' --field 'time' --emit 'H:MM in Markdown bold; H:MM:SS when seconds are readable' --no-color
**3:00:45**
